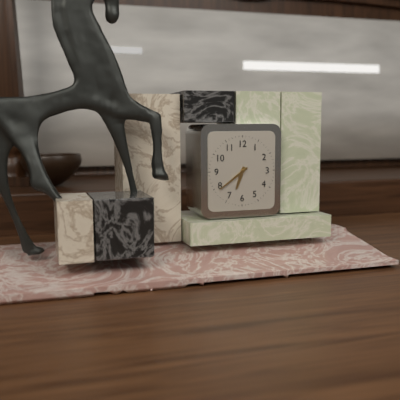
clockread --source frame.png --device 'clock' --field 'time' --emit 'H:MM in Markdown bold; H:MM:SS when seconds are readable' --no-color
**6:39**
